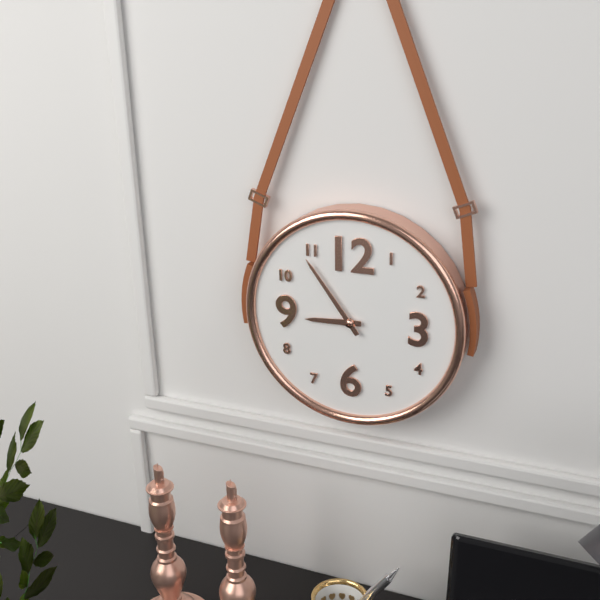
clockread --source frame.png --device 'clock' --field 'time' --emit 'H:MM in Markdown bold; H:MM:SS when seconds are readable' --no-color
**8:54**
